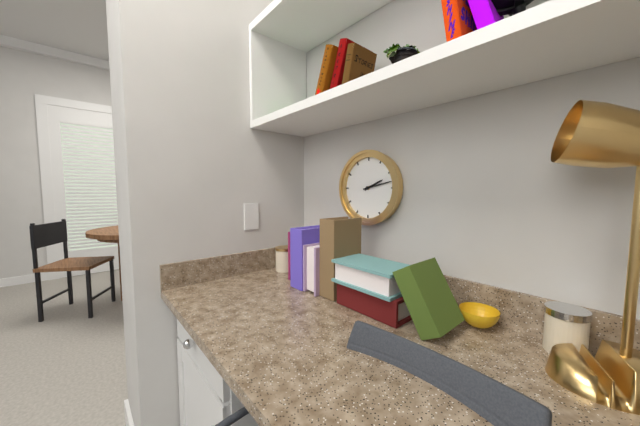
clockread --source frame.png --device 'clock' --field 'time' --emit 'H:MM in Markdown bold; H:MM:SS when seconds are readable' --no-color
**2:13**
